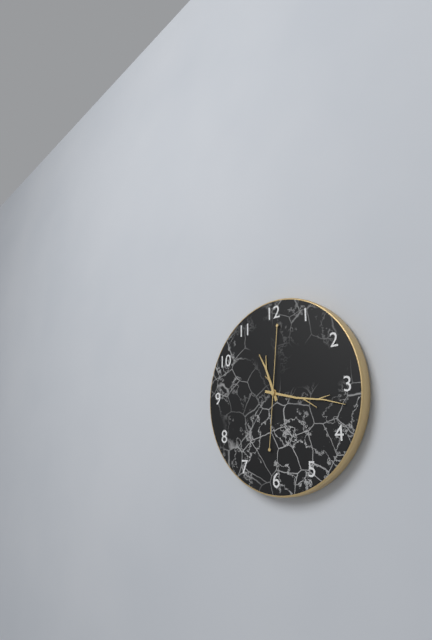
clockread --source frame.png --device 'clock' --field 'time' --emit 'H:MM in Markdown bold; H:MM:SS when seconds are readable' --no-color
**11:17:01**
